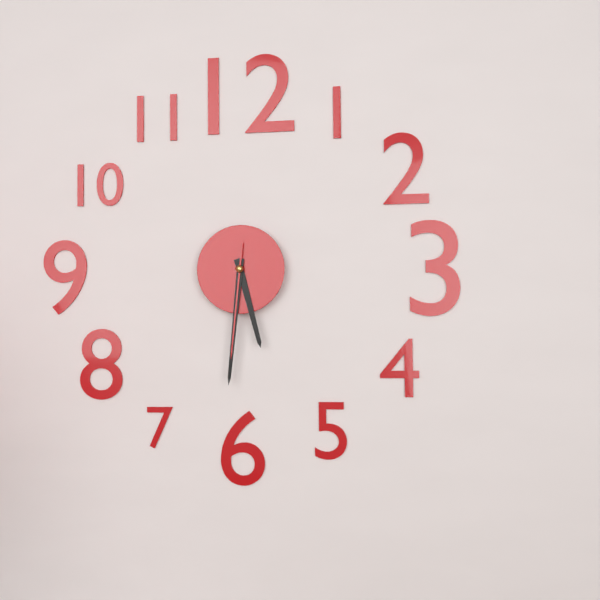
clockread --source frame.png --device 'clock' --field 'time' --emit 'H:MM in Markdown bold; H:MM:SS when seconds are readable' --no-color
**5:31:31**
